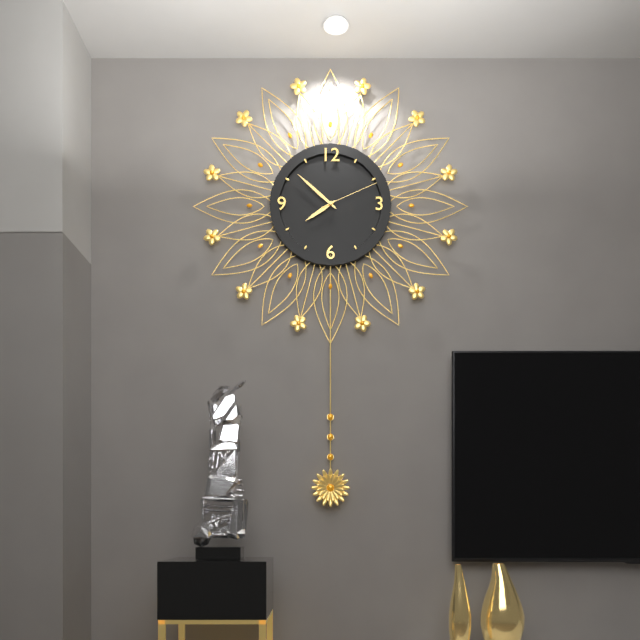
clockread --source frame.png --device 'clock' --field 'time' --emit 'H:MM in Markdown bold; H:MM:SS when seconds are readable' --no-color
**7:52:11**
